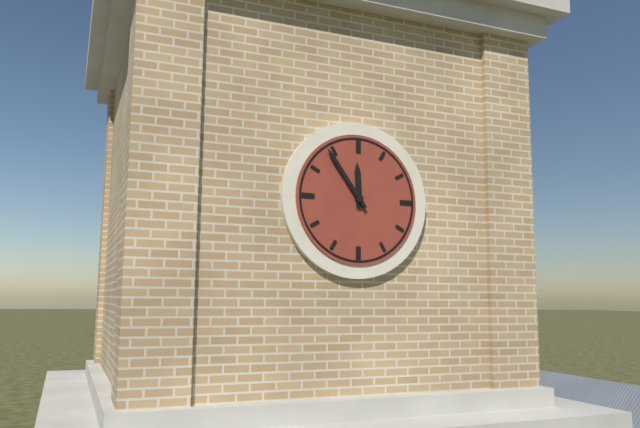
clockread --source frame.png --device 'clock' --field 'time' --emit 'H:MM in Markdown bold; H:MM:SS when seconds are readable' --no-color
**11:54**
